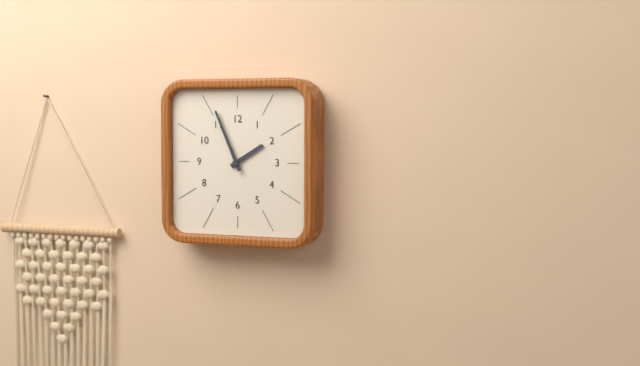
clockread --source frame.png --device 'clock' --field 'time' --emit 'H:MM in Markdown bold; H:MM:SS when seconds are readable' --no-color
**1:56**
